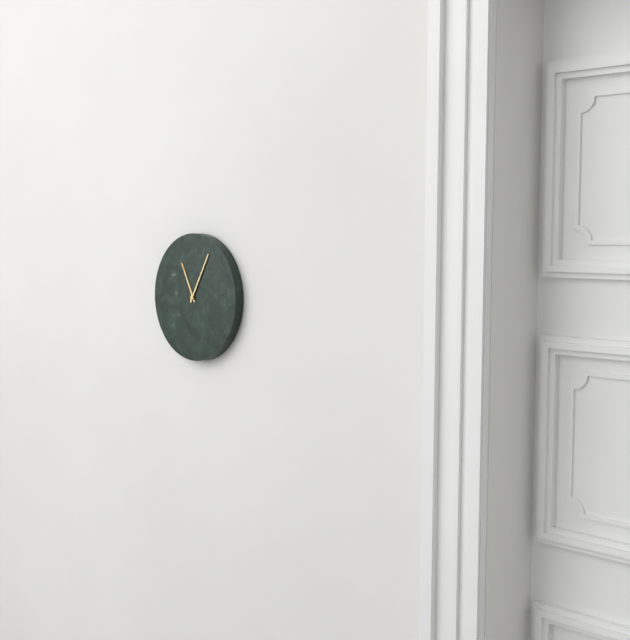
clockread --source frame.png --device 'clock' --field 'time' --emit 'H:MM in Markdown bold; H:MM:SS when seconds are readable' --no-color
**11:05**
